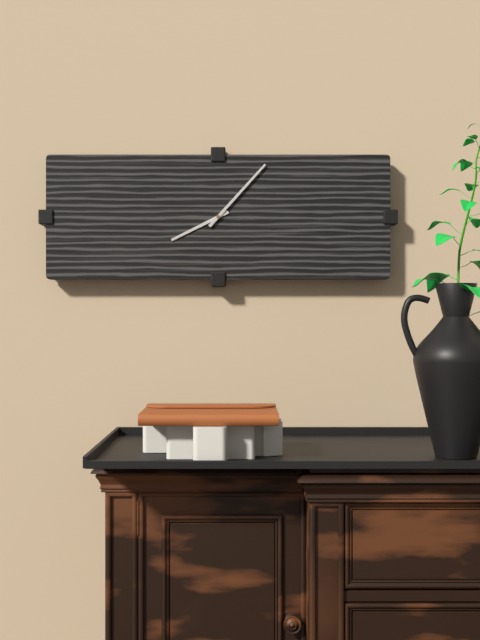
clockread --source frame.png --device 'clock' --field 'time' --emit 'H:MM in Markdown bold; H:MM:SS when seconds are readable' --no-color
**8:07**
